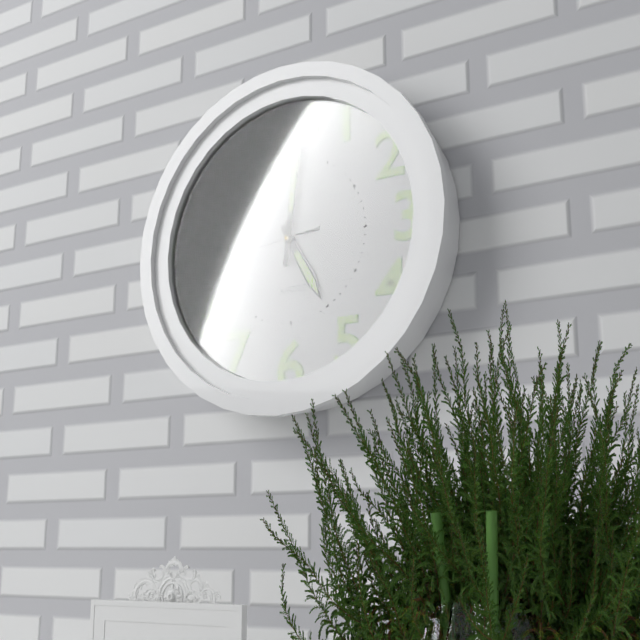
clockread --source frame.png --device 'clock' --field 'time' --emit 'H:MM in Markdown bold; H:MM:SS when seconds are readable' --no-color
**5:01:44**
